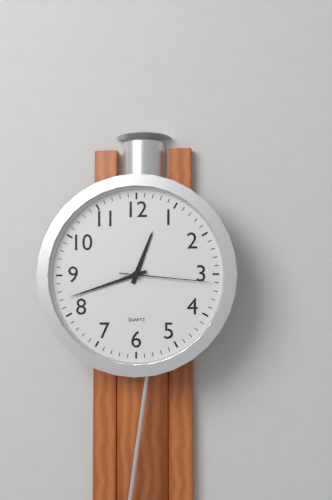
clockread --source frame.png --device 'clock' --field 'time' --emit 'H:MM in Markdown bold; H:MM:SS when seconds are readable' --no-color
**12:42:16**
